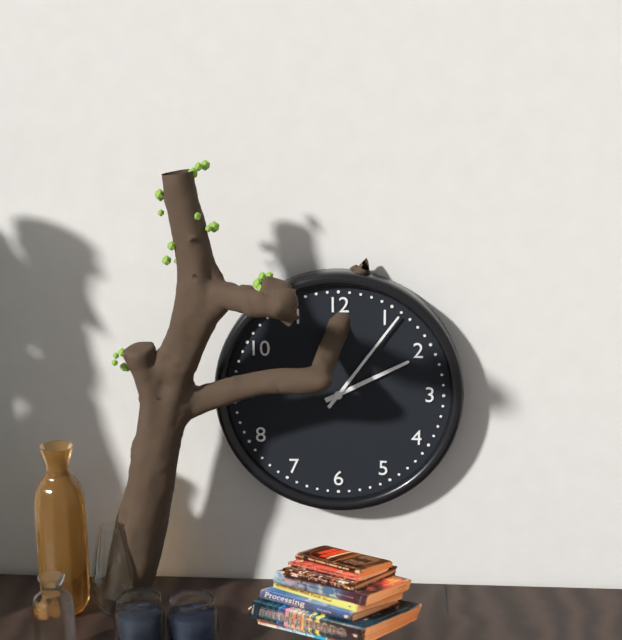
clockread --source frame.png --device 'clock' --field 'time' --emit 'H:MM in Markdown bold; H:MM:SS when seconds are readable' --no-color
**2:06**
